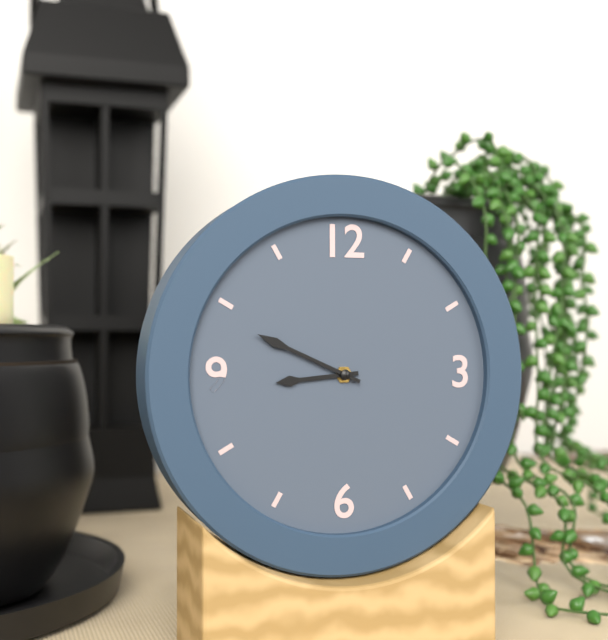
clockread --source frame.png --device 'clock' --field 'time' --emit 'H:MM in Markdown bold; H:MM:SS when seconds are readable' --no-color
**8:49**
